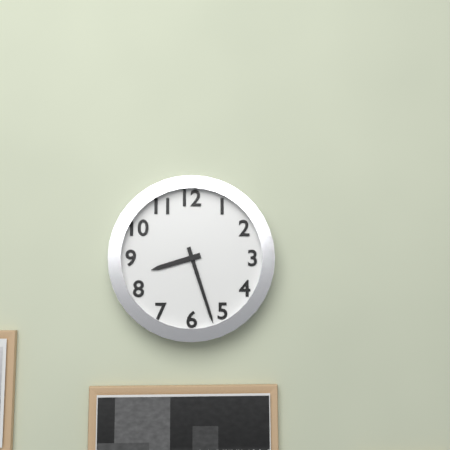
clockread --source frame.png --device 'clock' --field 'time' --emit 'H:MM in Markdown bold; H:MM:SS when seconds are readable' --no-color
**8:27**
